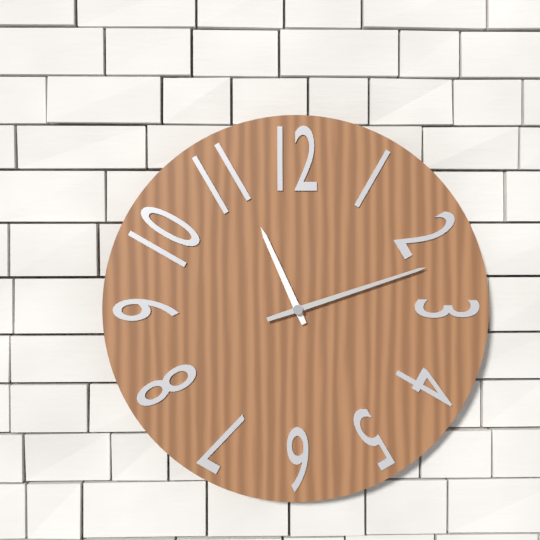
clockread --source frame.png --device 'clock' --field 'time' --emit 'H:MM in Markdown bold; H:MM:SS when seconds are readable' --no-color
**11:12**
